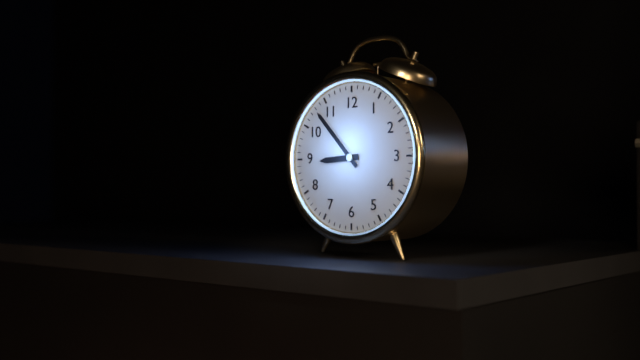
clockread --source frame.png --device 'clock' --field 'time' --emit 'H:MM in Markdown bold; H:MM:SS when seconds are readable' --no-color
**8:53**
